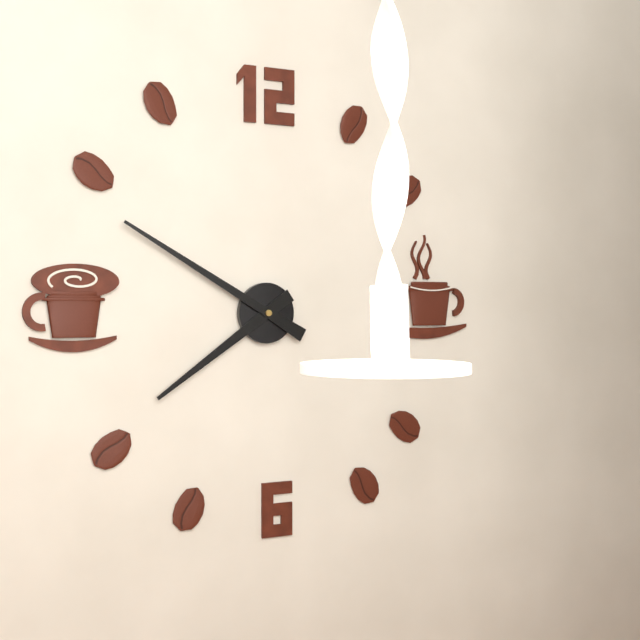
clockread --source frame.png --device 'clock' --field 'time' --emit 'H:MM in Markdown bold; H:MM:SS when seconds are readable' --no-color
**7:50**
